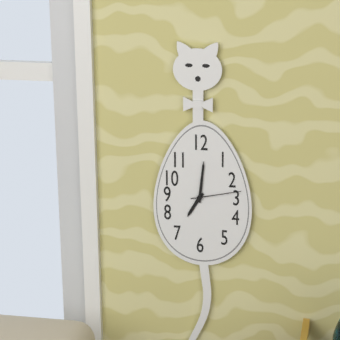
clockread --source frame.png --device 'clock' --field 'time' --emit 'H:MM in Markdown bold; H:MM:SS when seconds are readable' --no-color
**7:01:13**
